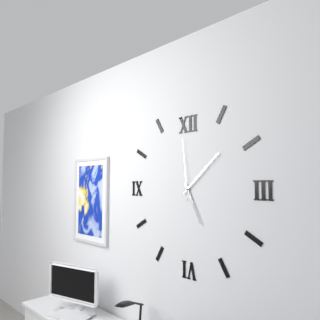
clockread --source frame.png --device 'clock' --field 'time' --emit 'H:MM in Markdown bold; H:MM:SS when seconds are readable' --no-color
**5:08:59**
